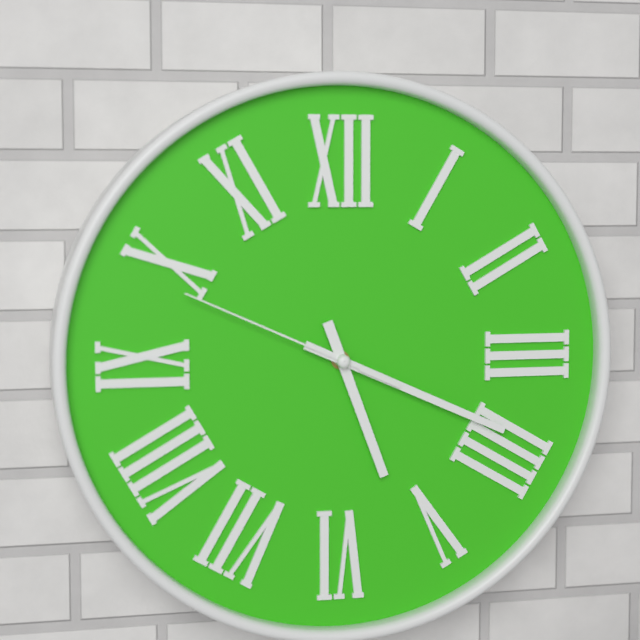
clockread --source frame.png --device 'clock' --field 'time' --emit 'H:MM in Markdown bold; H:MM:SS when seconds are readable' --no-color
**5:19:49**
